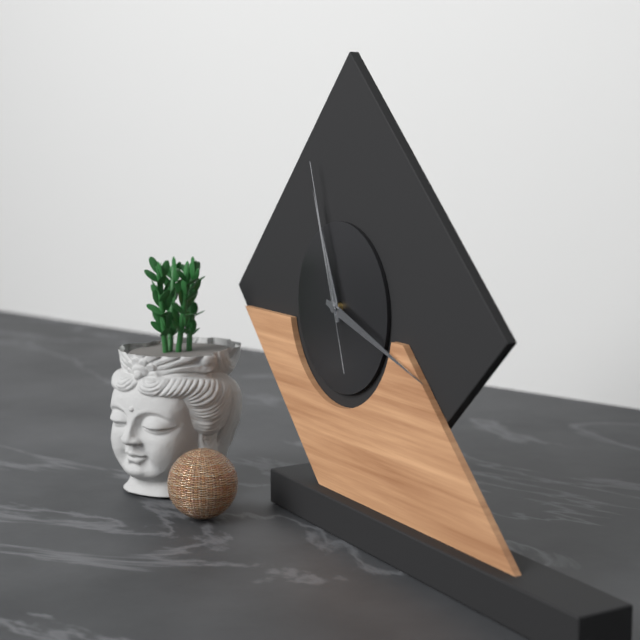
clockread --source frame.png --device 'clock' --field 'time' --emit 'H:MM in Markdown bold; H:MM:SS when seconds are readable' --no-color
**11:18:57**
